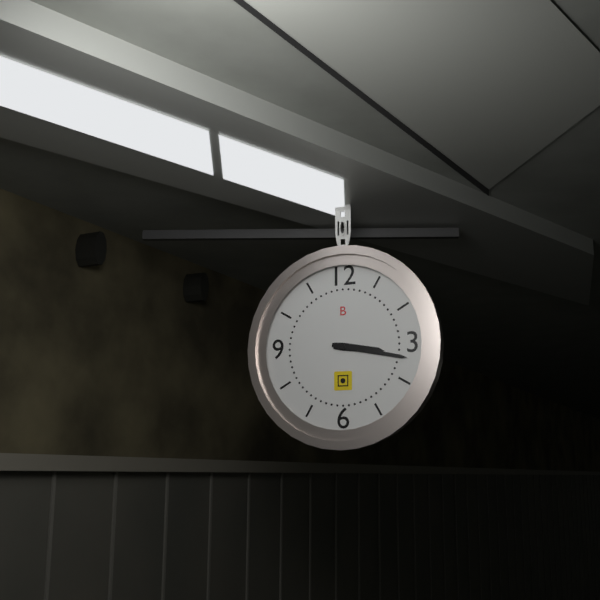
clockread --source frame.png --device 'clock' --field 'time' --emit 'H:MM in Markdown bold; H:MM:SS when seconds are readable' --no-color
**3:17**
